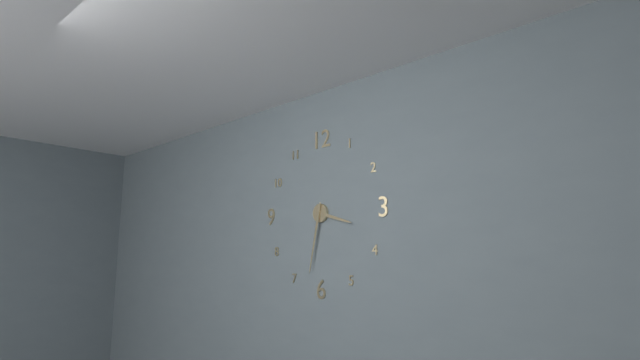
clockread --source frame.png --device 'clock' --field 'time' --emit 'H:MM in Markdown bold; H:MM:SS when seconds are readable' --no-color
**3:32**
